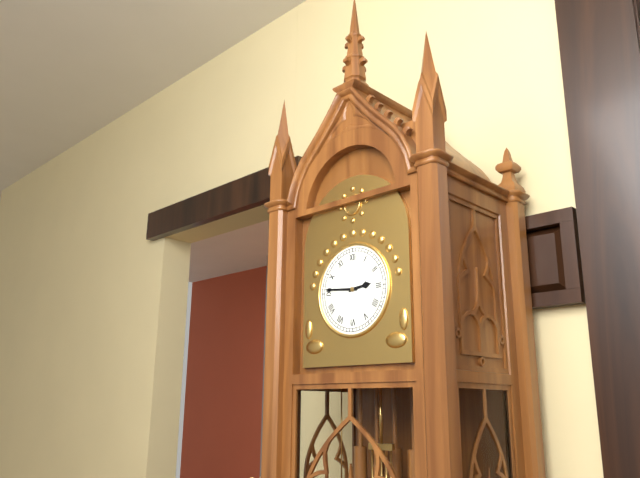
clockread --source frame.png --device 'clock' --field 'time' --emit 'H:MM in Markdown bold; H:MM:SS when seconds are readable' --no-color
**2:46**
